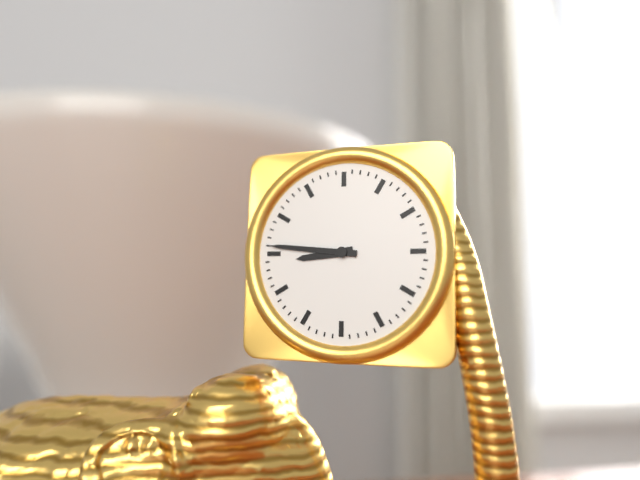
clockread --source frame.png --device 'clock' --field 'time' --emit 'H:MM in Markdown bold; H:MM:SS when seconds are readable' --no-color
**8:46**
